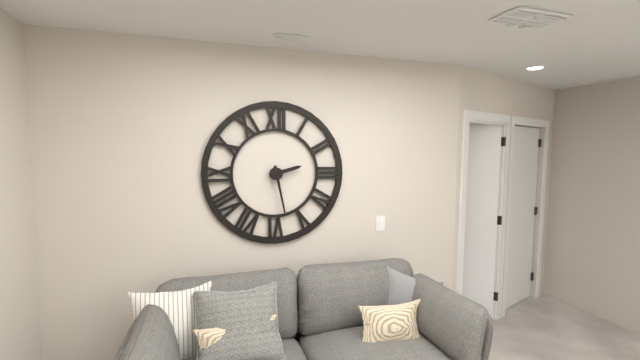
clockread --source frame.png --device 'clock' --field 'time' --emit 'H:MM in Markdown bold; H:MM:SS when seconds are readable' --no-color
**2:28**
